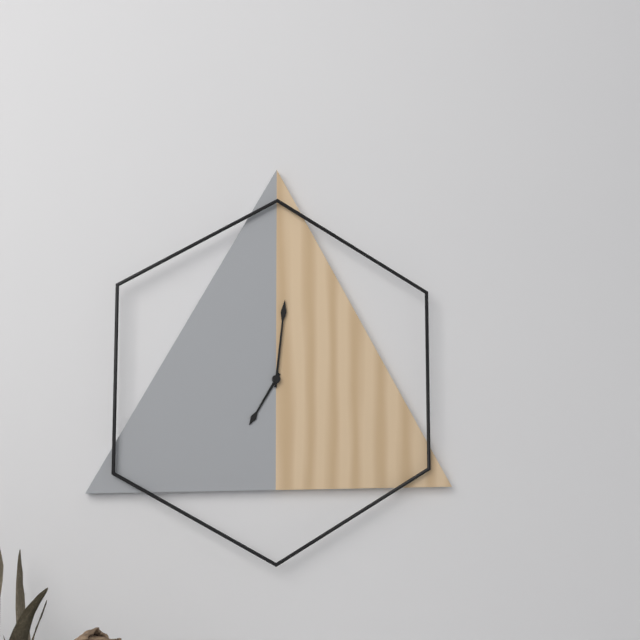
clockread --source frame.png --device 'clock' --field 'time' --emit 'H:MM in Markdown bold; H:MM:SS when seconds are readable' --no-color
**7:01**
